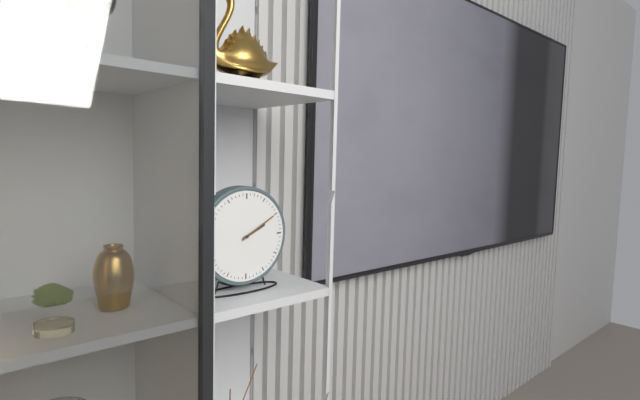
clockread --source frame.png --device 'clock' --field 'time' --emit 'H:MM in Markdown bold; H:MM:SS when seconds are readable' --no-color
**2:10**
